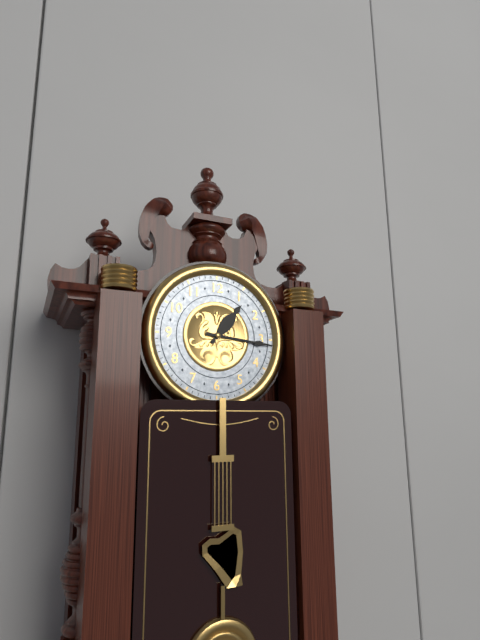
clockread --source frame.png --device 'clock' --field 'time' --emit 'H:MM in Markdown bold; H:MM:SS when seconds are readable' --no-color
**1:16**
